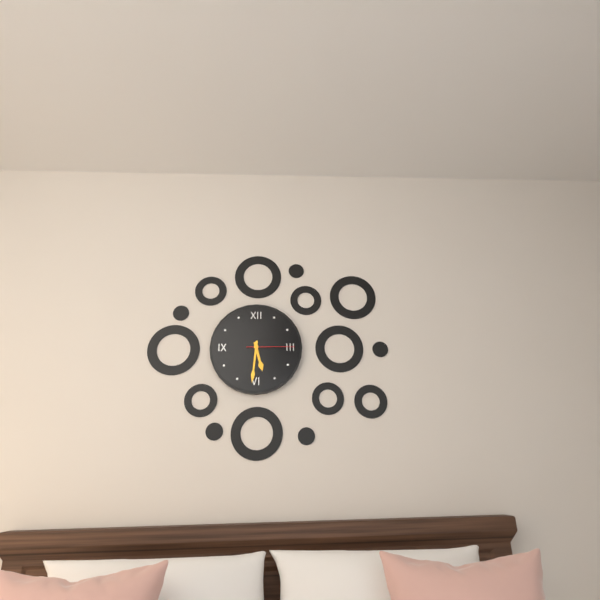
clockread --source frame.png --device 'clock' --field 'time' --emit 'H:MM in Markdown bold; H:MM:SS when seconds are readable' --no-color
**5:31**
